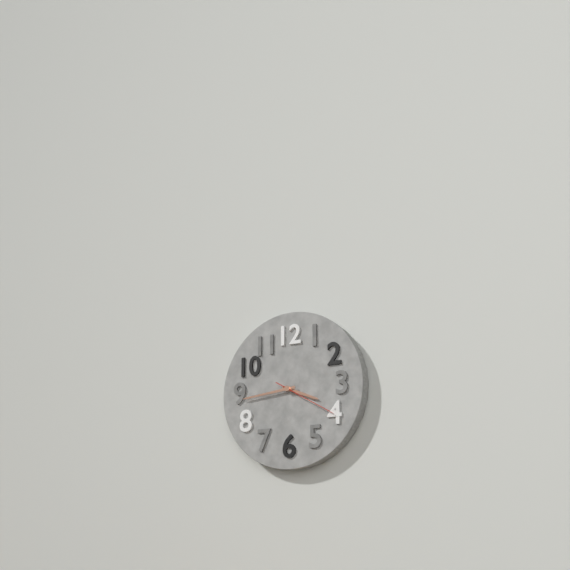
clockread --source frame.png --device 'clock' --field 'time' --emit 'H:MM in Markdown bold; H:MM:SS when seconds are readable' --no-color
**3:44:20**
